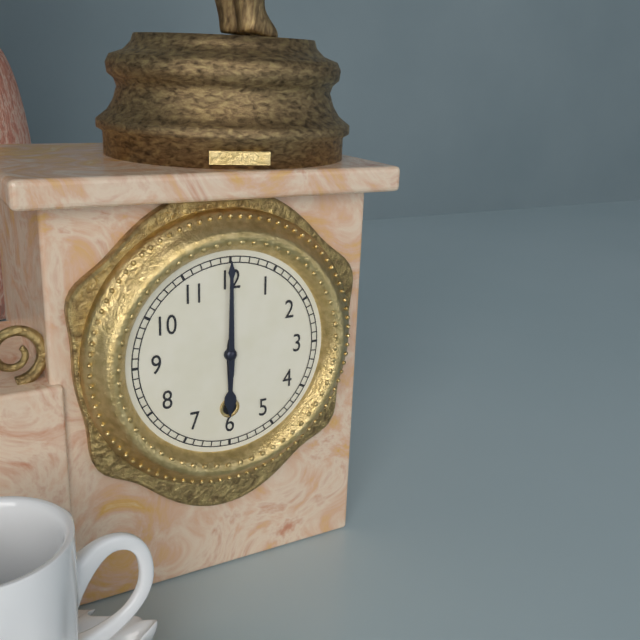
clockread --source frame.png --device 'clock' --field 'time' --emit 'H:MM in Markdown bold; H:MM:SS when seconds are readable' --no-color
**6:00**
